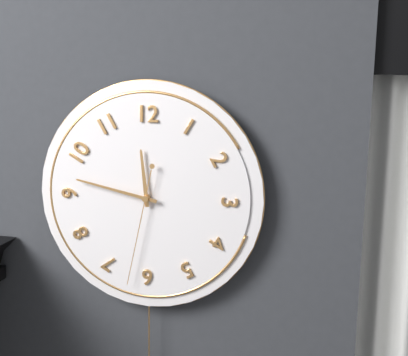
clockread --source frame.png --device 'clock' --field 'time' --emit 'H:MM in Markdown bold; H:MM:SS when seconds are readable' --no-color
**11:47:32**
